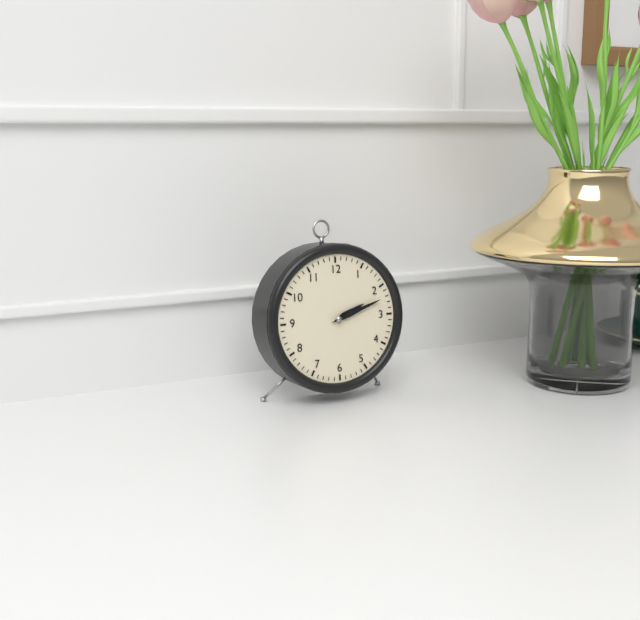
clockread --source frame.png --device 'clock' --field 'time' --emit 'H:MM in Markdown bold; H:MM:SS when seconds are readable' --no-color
**2:12**
